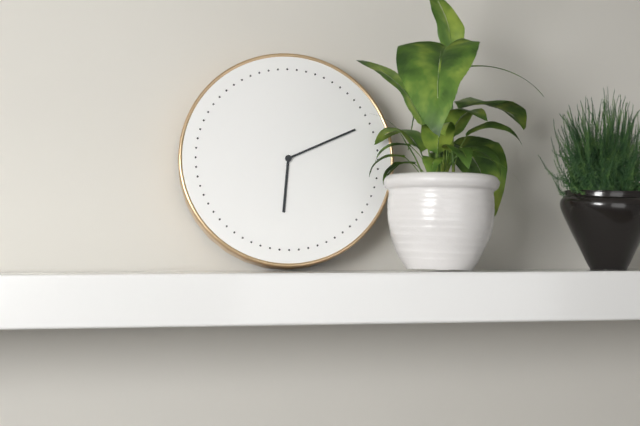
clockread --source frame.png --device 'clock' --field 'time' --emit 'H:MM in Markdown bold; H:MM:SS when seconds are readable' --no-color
**6:11**
